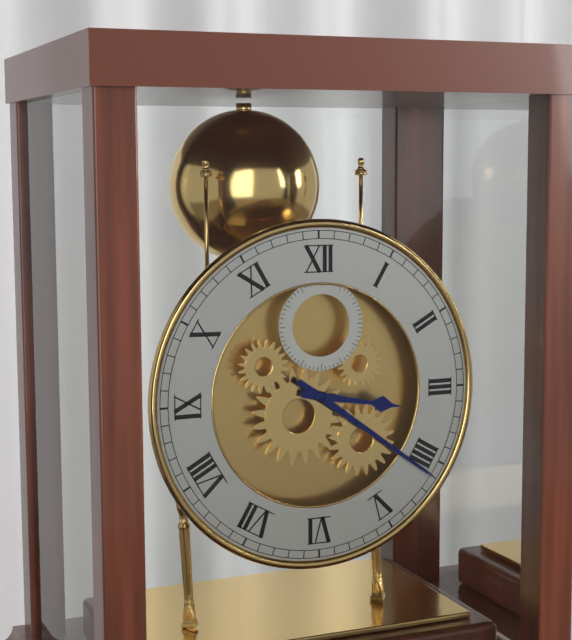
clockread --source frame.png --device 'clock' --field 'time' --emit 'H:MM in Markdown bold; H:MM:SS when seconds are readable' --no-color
**3:21**
